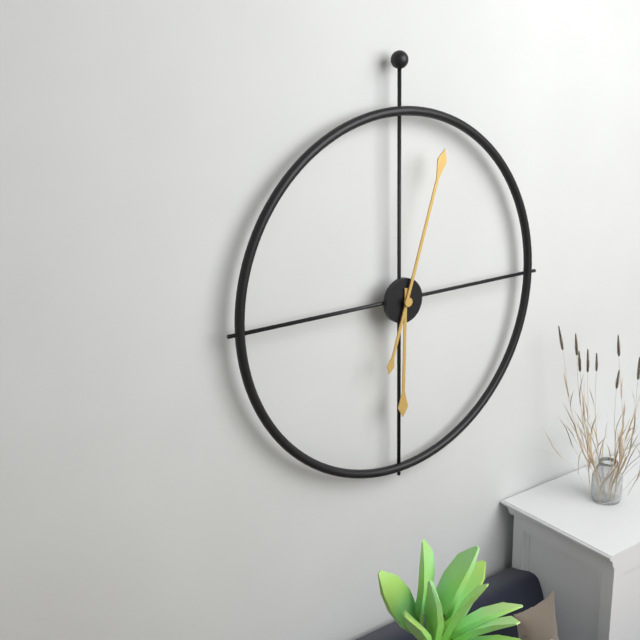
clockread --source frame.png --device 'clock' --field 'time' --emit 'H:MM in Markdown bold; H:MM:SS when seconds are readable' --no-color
**6:03**
